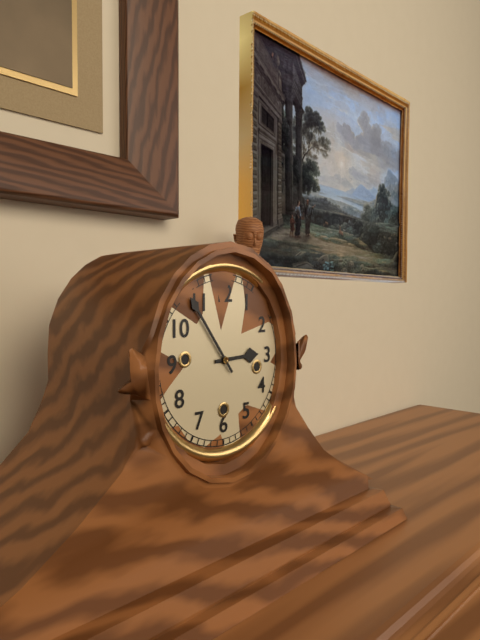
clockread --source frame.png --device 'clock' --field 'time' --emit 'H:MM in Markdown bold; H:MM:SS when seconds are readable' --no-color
**2:54**
